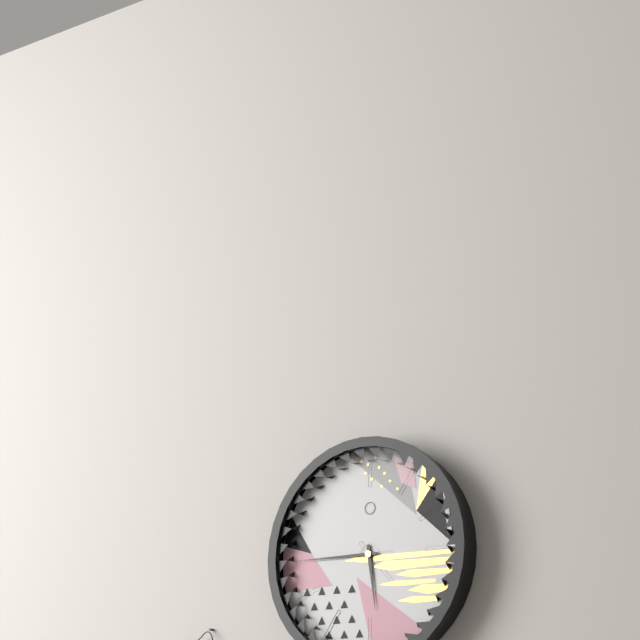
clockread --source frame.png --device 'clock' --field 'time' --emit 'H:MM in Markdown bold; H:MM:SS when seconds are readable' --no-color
**5:45**
